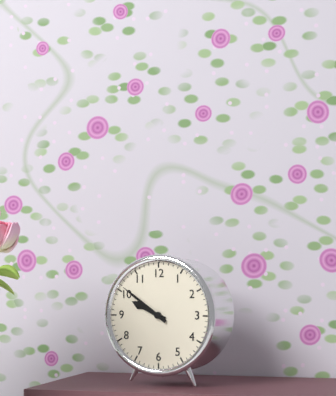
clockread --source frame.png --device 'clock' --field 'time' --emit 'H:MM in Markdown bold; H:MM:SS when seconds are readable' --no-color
**9:51**
